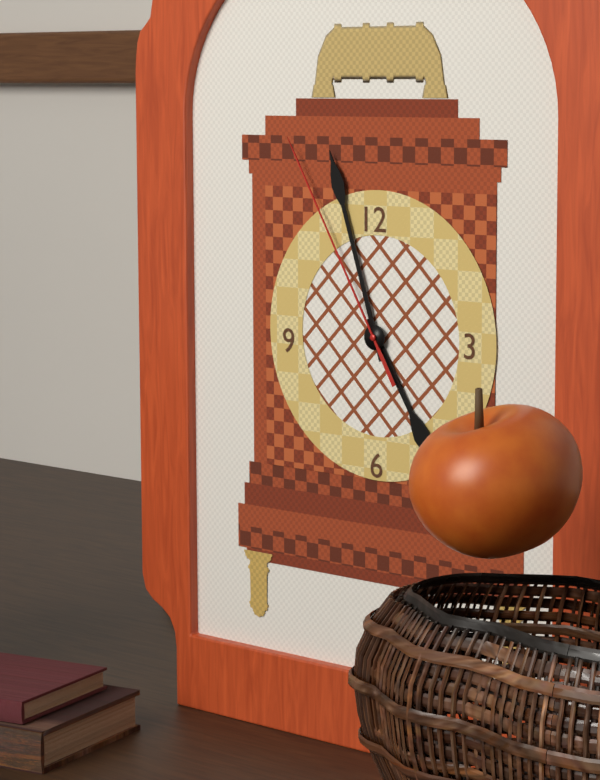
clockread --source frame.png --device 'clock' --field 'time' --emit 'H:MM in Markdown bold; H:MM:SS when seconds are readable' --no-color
**4:57:55**
